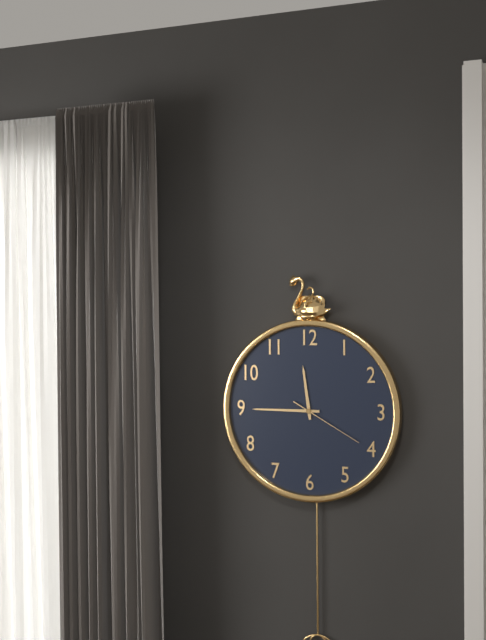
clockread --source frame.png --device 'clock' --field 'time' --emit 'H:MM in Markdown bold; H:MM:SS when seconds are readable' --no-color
**11:45:20**
